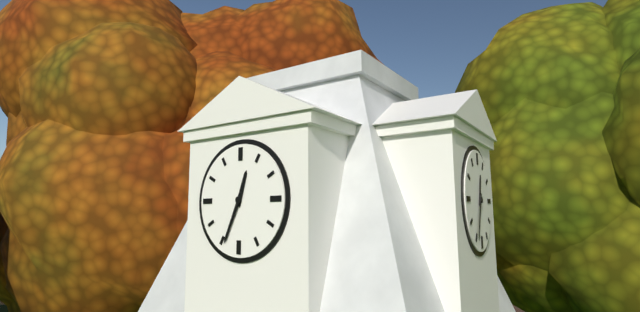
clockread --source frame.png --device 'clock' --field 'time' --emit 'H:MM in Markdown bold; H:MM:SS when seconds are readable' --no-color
**12:34**
